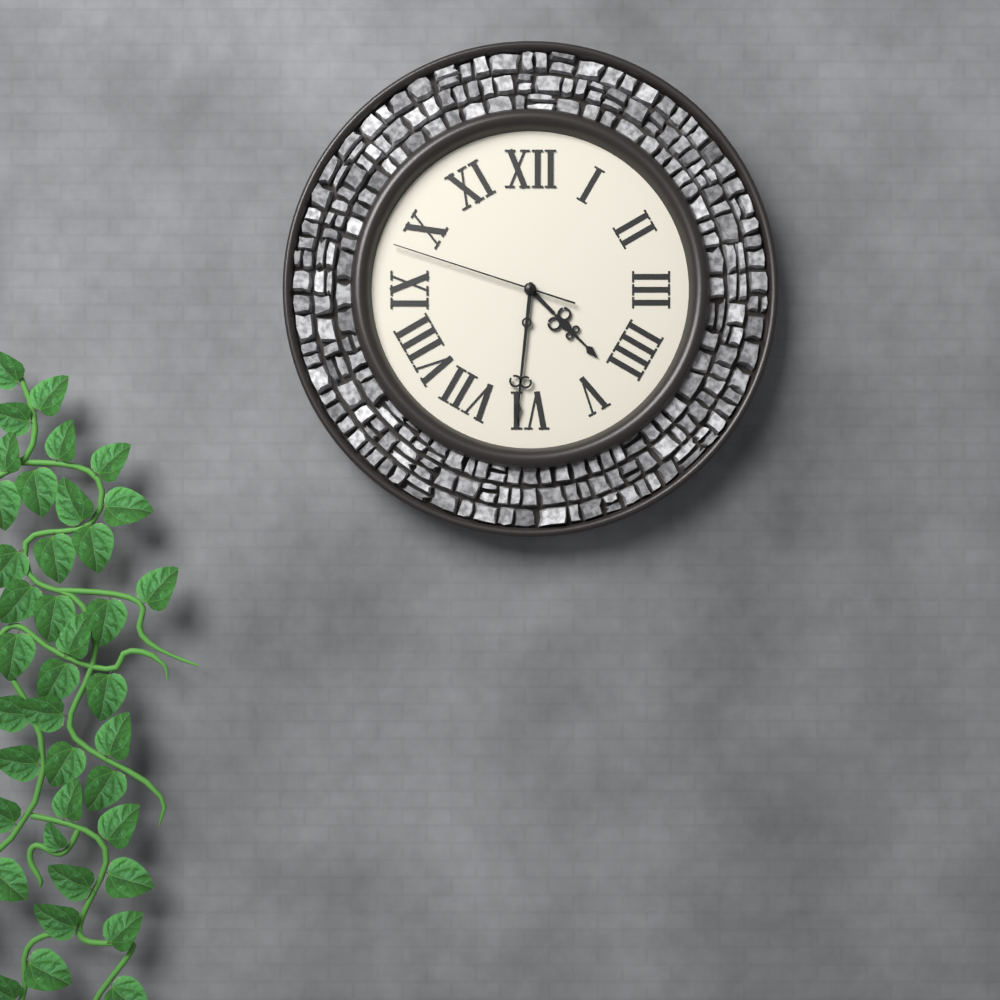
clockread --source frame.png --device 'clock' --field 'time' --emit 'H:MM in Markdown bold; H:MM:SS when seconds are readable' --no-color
**4:31:48**
